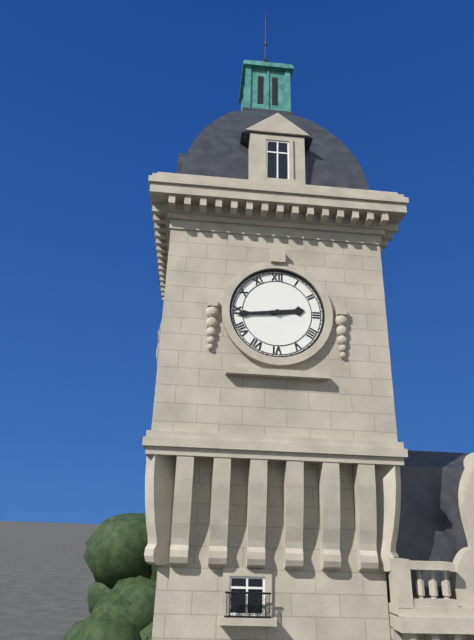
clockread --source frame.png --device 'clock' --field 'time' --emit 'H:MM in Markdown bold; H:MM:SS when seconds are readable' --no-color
**2:44**
